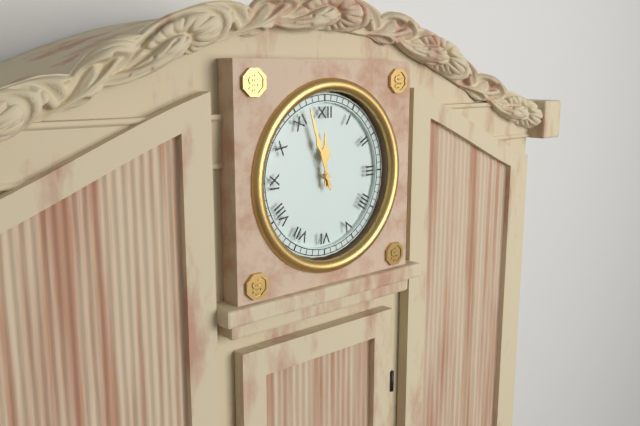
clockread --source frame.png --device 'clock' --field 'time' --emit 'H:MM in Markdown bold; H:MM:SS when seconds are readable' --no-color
**11:57**
